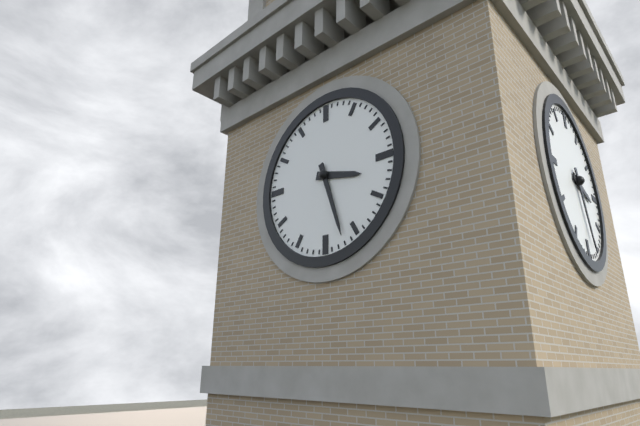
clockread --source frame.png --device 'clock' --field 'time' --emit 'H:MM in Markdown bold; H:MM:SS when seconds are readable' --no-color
**3:27**
